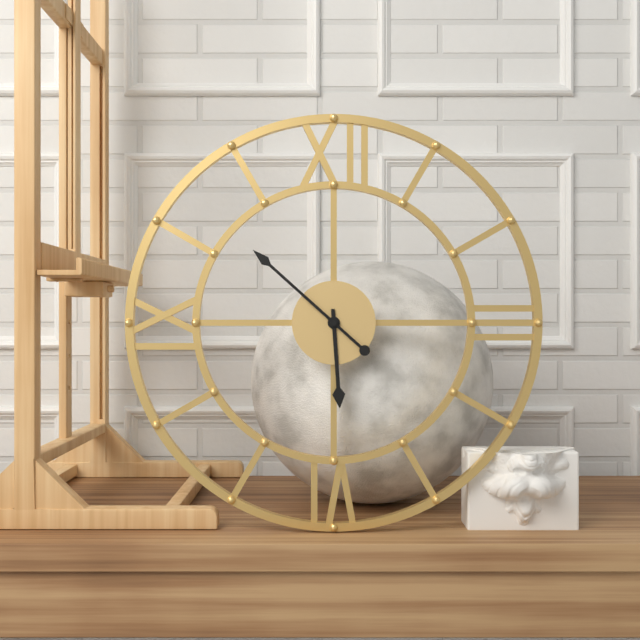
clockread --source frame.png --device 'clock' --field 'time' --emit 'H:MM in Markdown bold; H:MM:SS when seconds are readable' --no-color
**5:52**
